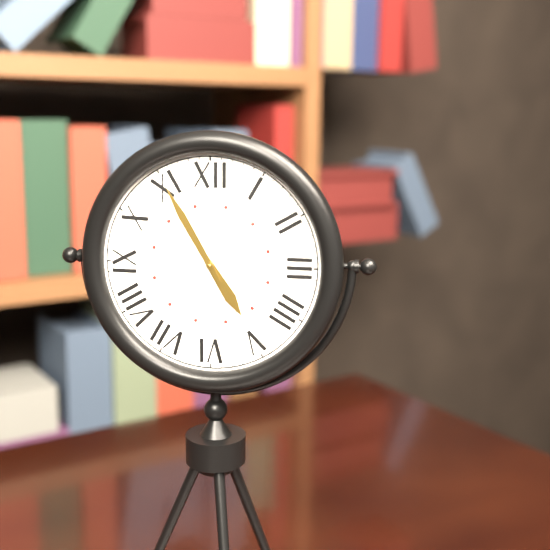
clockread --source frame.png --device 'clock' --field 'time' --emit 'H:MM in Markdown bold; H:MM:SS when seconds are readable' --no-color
**4:55**
